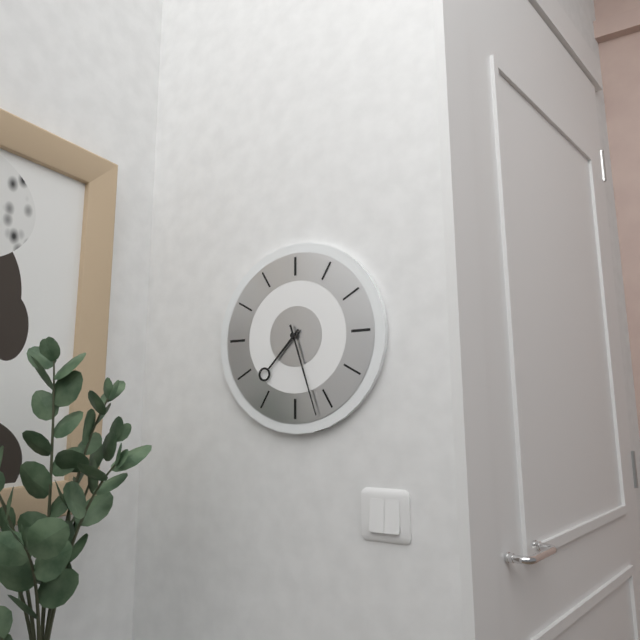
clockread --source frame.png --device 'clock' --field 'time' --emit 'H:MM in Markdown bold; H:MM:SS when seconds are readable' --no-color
**7:27**
